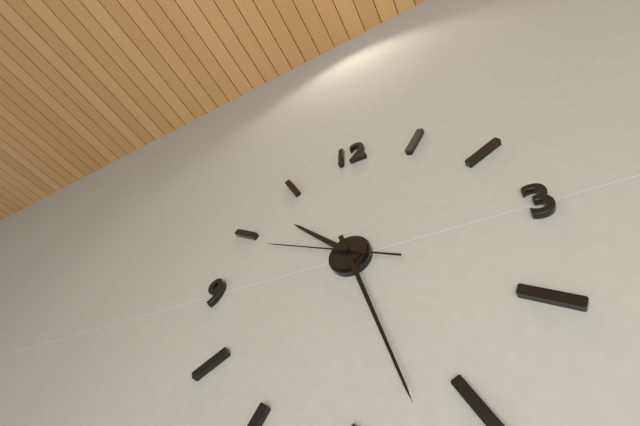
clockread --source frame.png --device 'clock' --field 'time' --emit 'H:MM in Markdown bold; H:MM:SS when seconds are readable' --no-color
**10:27:49**
